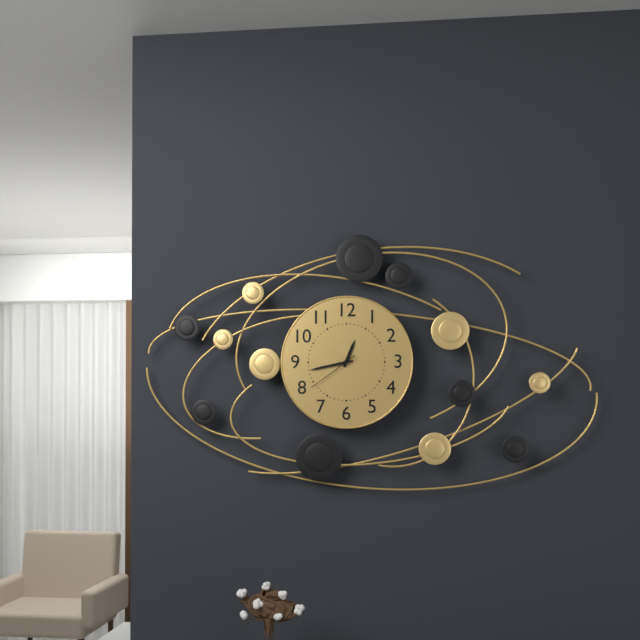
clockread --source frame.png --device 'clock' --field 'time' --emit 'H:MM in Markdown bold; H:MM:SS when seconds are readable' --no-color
**12:43:39**
